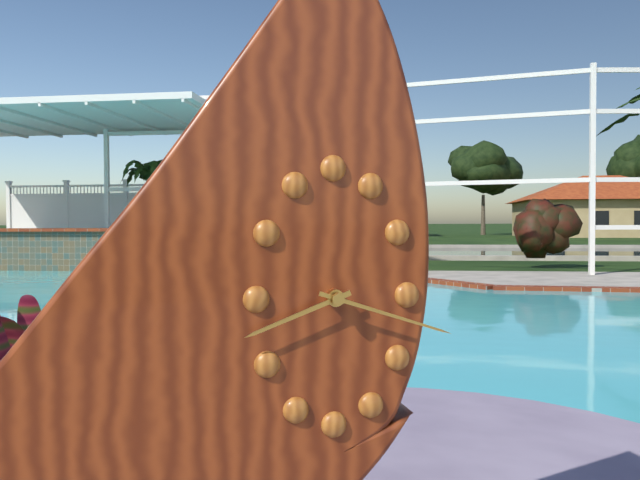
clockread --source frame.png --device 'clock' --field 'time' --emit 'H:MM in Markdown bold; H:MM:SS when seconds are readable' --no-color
**8:18**
